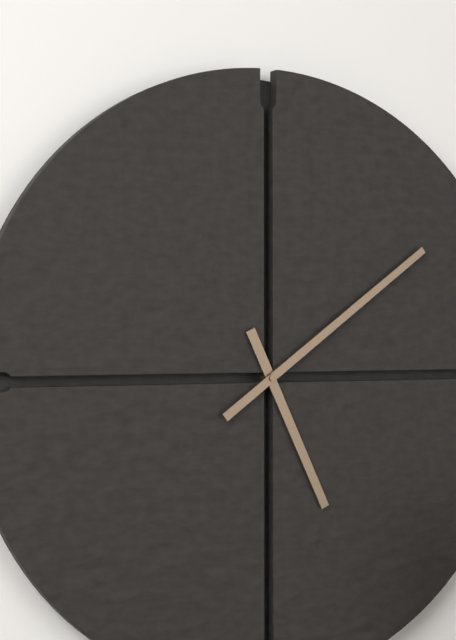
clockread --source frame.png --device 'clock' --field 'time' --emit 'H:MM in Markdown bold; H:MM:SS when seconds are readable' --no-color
**5:09**
